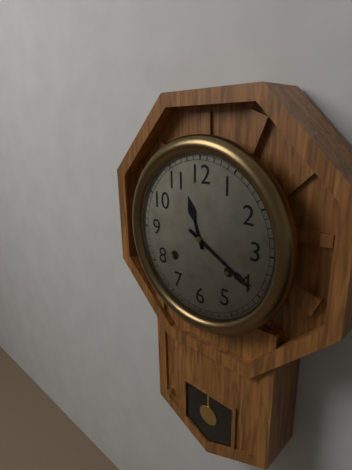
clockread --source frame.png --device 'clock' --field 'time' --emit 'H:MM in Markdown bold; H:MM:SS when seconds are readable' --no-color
**11:20**
